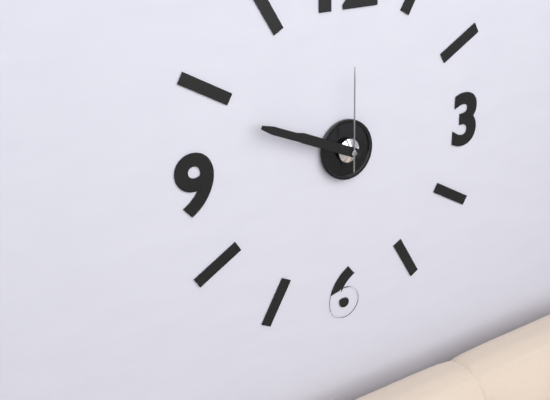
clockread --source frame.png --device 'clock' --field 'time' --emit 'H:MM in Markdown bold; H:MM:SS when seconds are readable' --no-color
**9:49:00**
